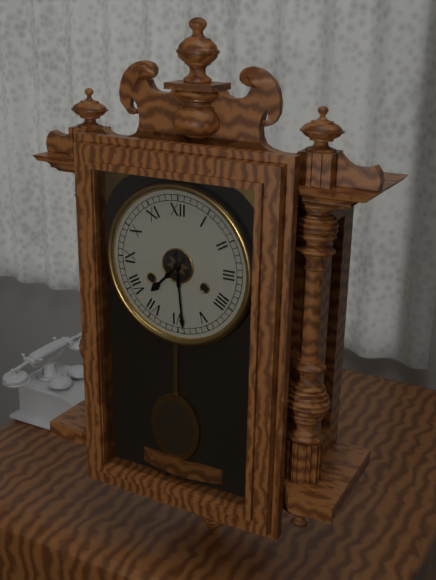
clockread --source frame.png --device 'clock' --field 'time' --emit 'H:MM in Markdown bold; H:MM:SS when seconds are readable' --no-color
**7:29**
